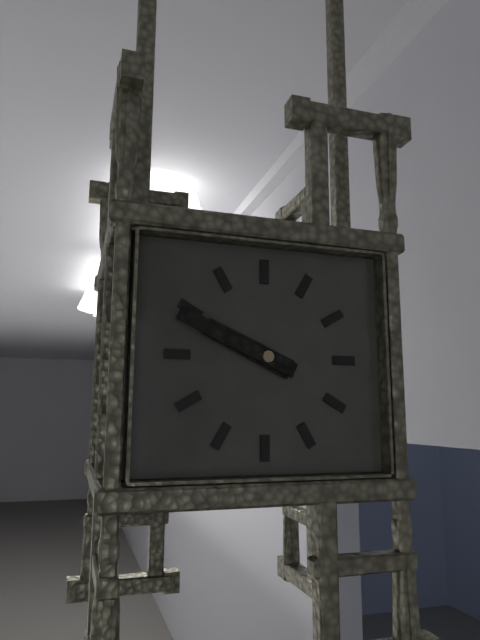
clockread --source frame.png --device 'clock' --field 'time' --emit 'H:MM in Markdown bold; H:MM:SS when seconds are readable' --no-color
**9:49**
